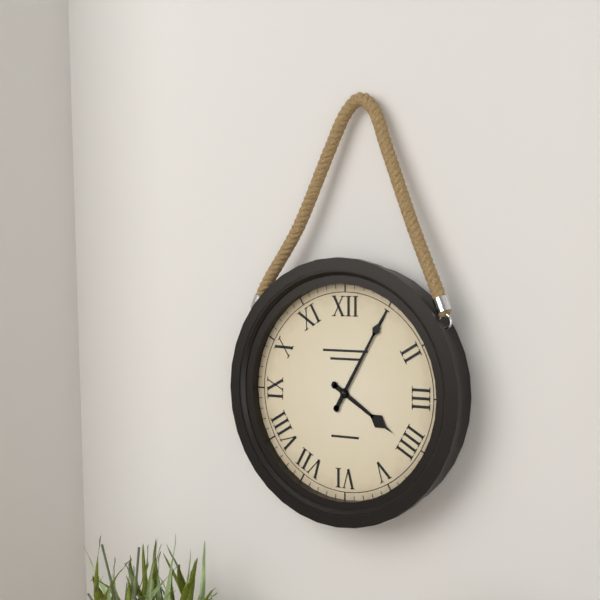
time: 4:05
